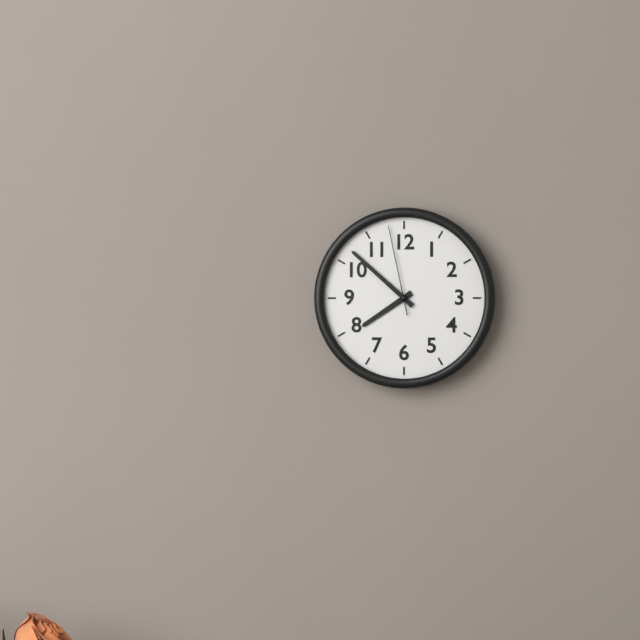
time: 7:52:58
